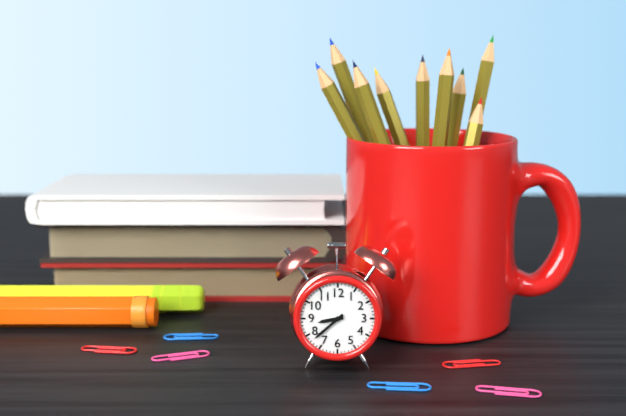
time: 8:38
